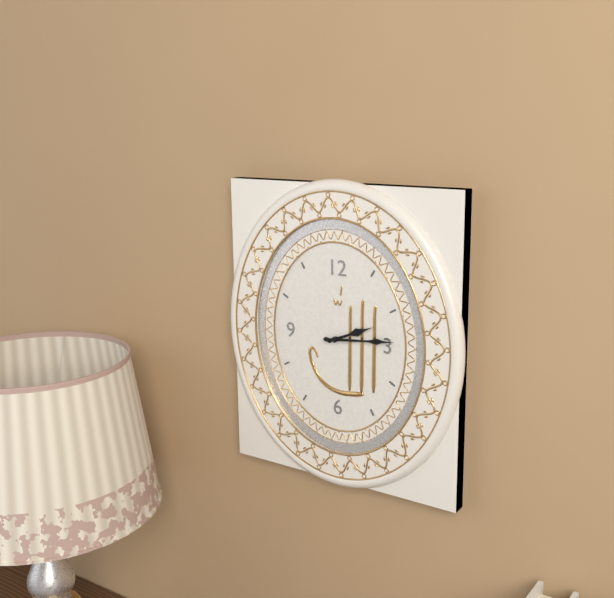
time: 2:14
